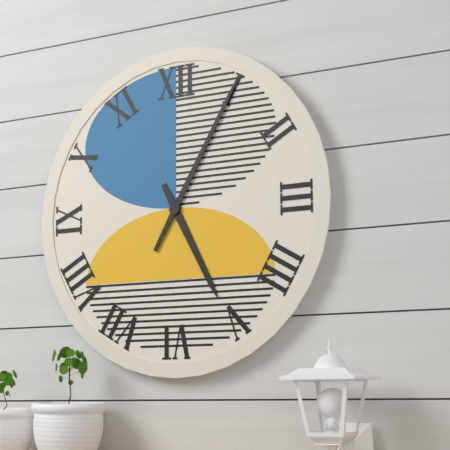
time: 5:05
